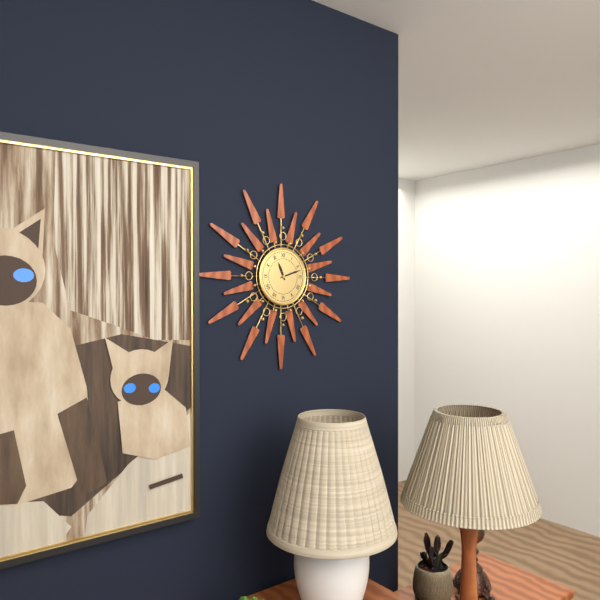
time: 11:12
